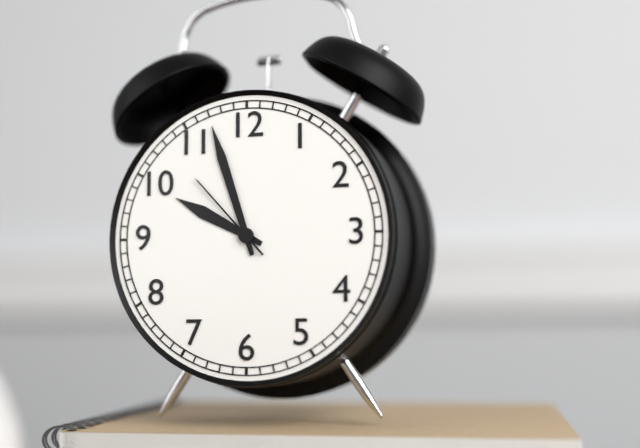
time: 9:57:53
